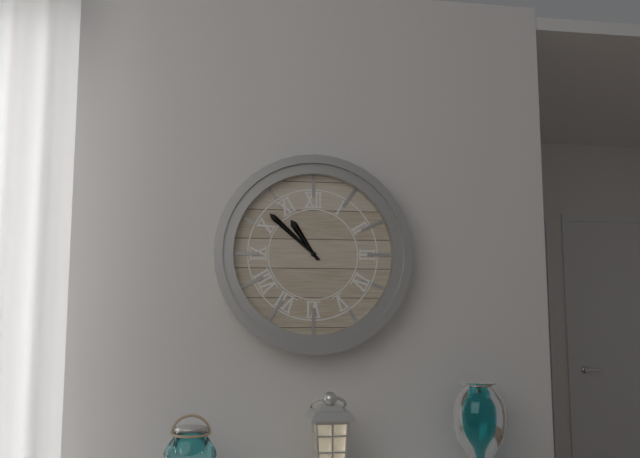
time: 10:52
